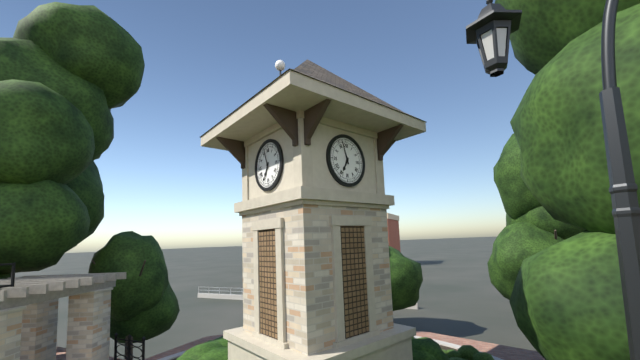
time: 6:57
